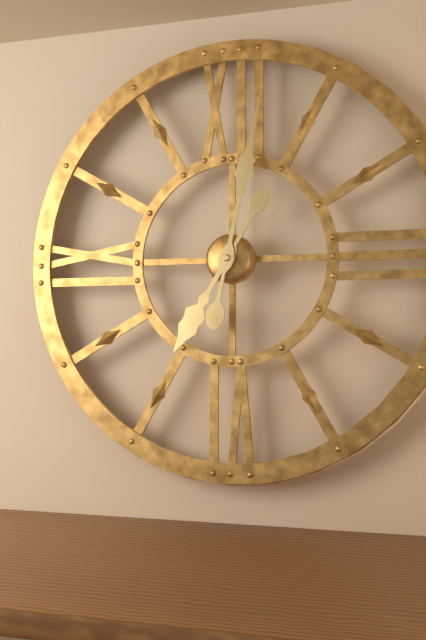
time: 7:02
